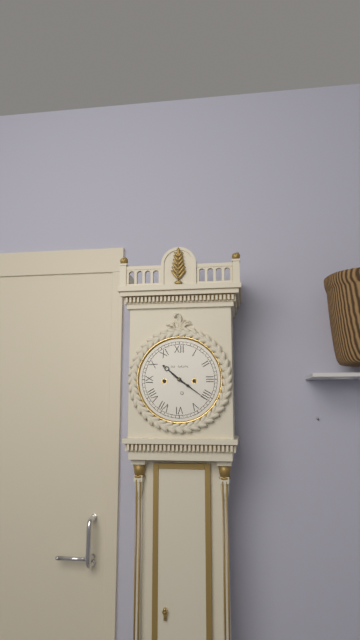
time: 10:21
